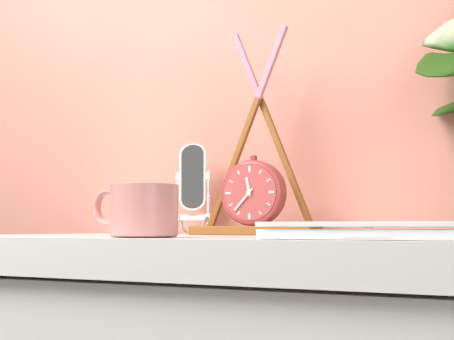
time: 11:37
